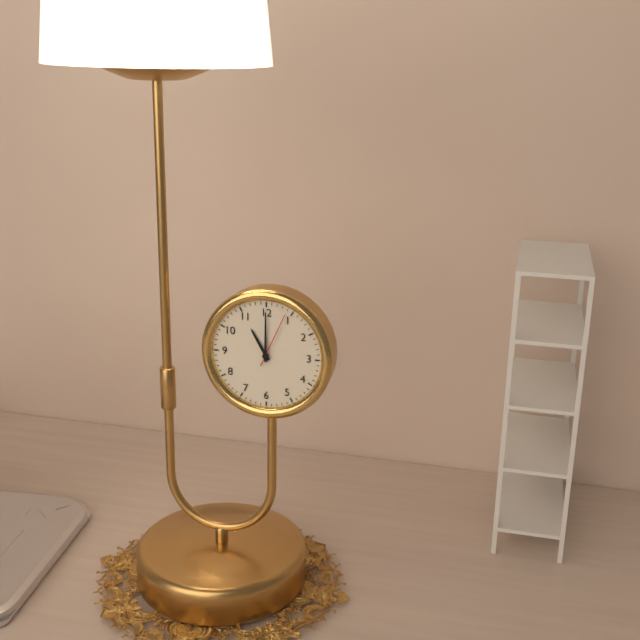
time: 11:00
